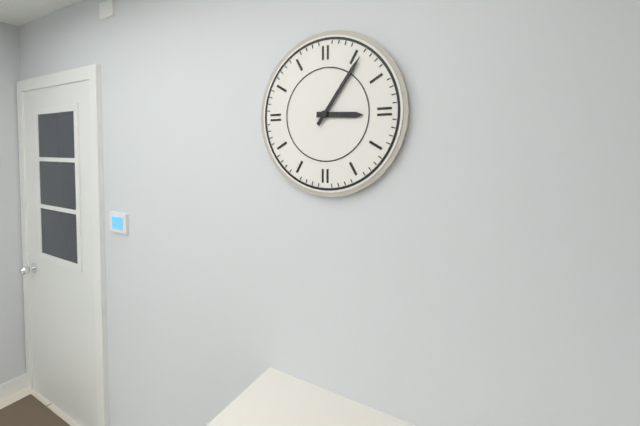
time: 3:06
